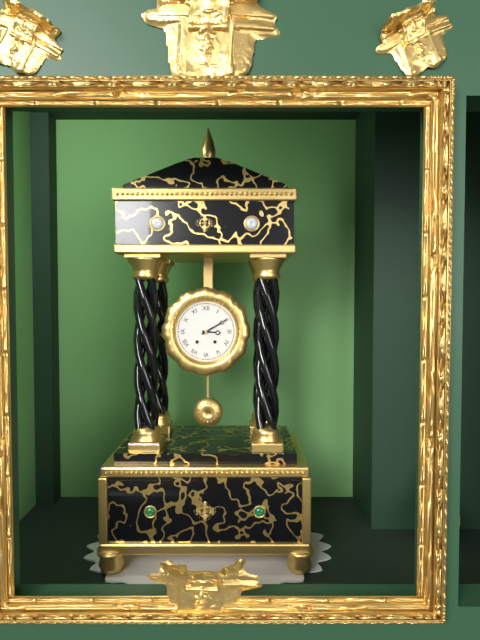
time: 3:10
